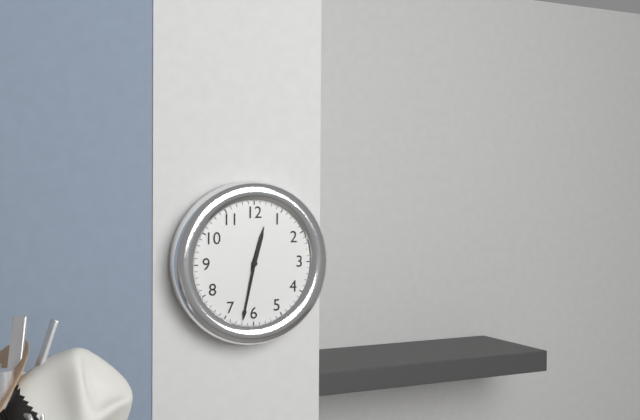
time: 12:32
